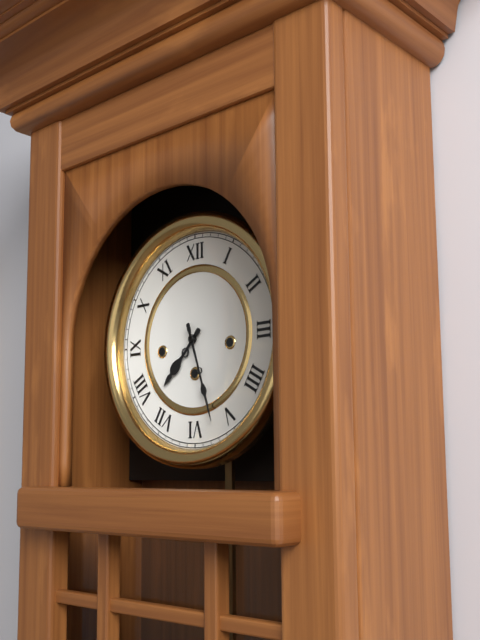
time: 7:27
